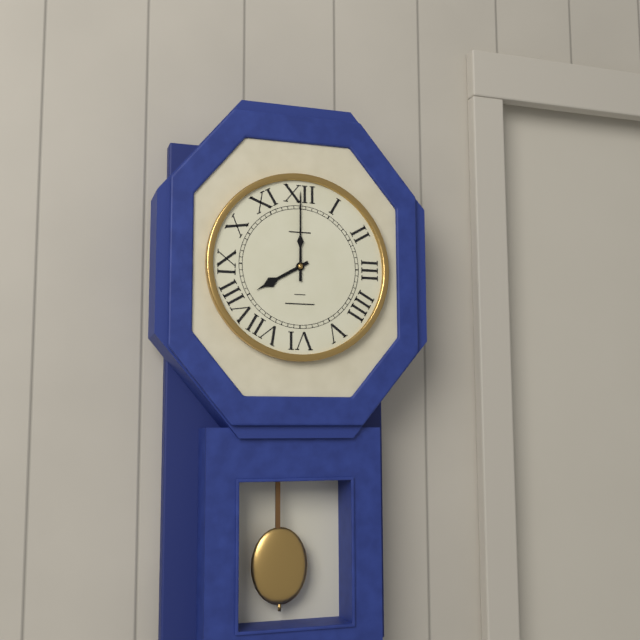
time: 8:00
